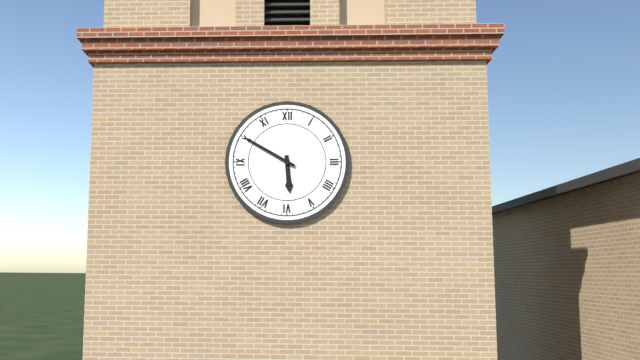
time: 5:50
